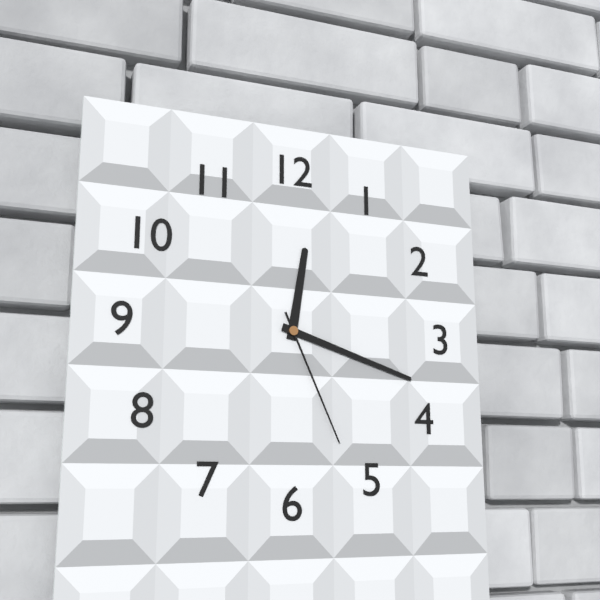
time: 12:18:26
